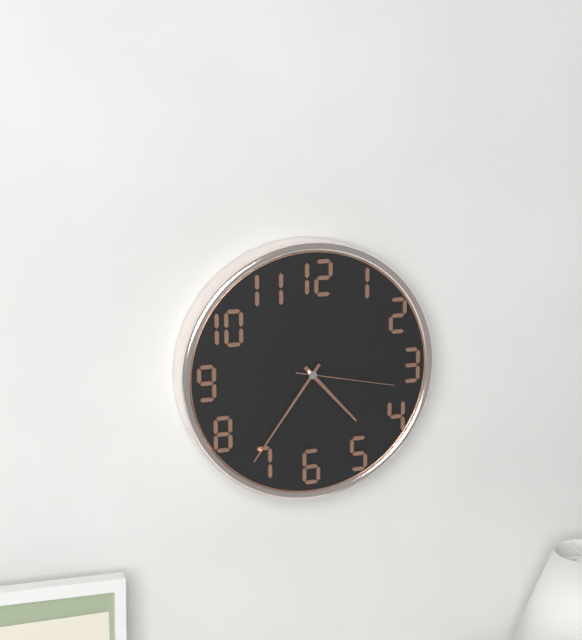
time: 4:36:17
